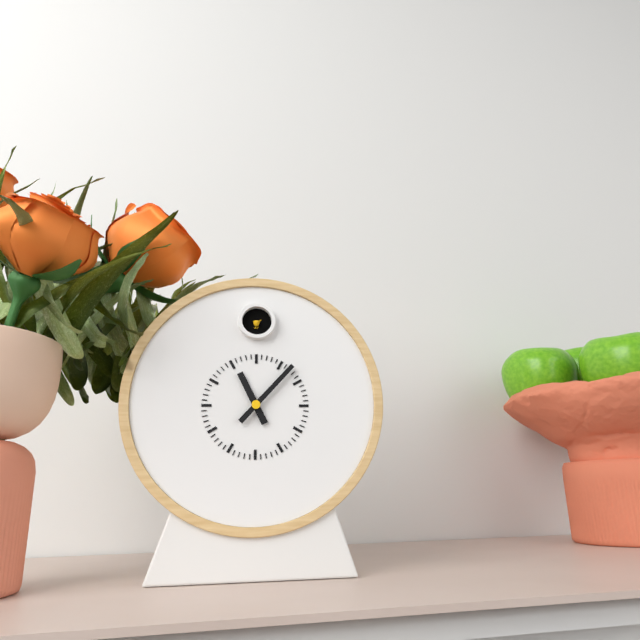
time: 11:07
